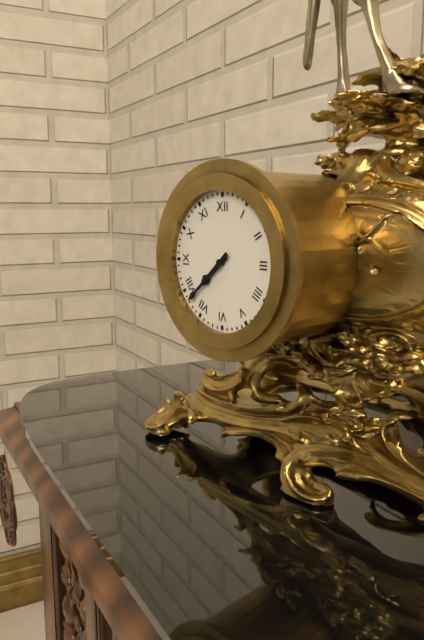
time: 7:38
